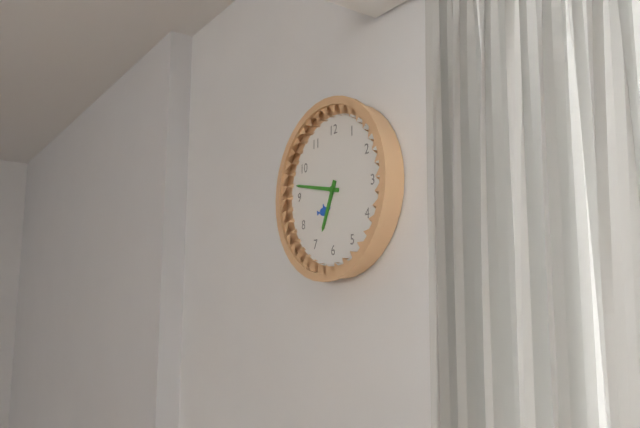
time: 6:47
